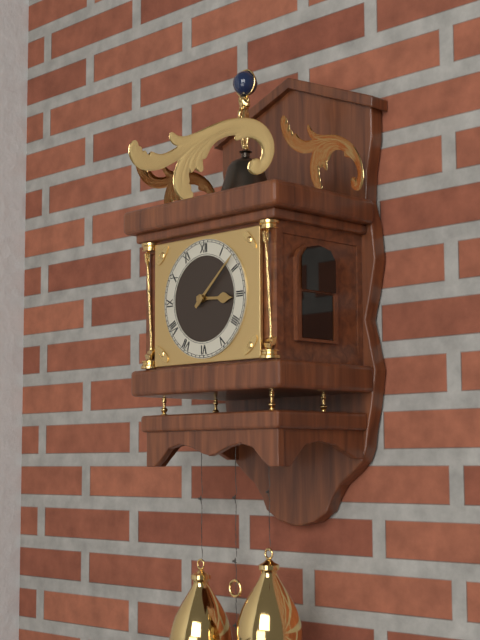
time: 3:08
